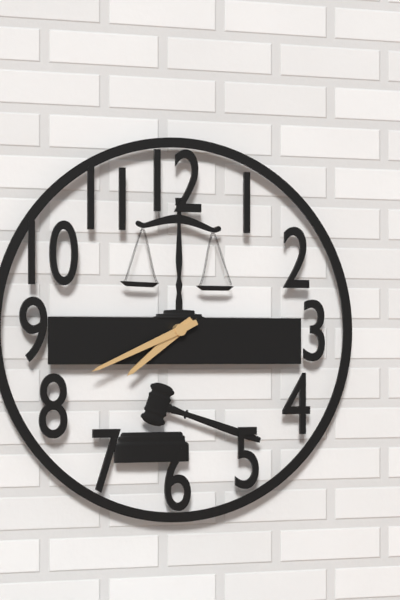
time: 7:41
